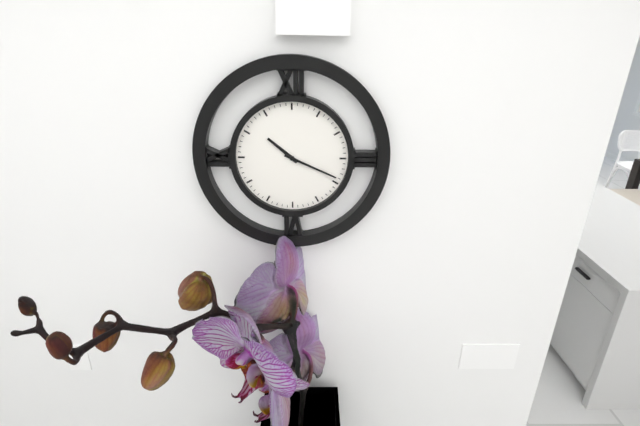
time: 10:19
